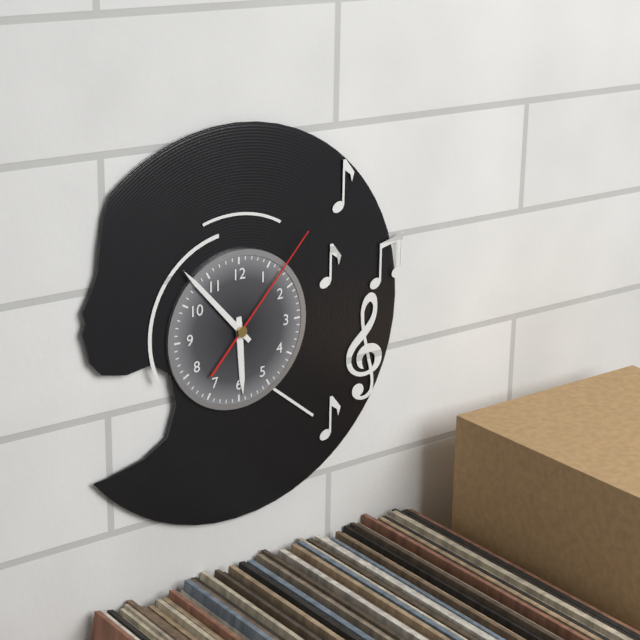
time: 5:53:07
